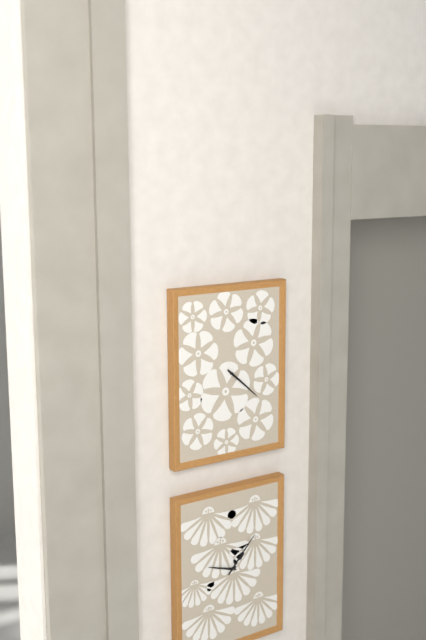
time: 4:22
